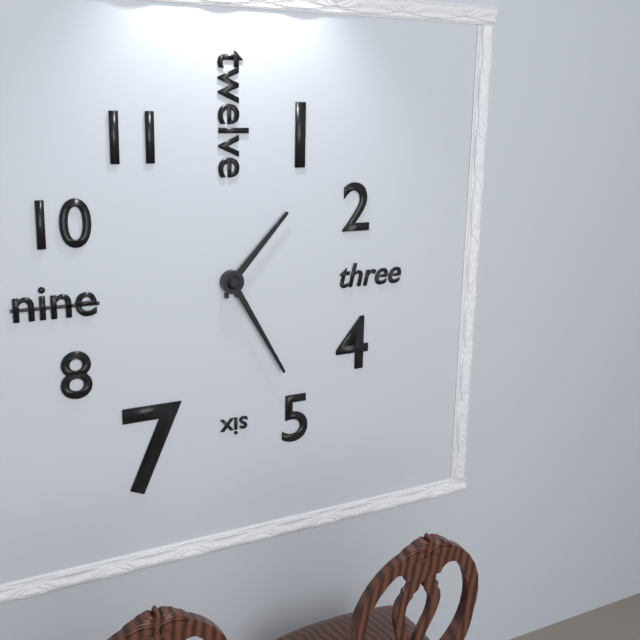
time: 1:25
